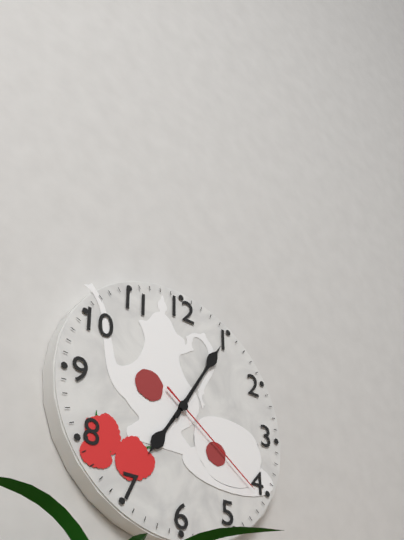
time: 7:05:21
